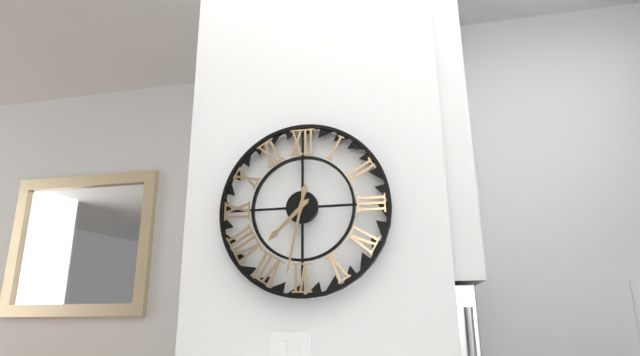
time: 7:32
